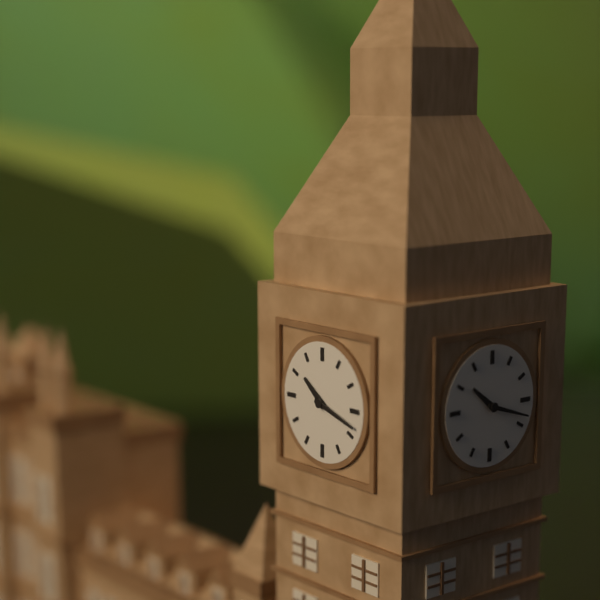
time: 10:18
